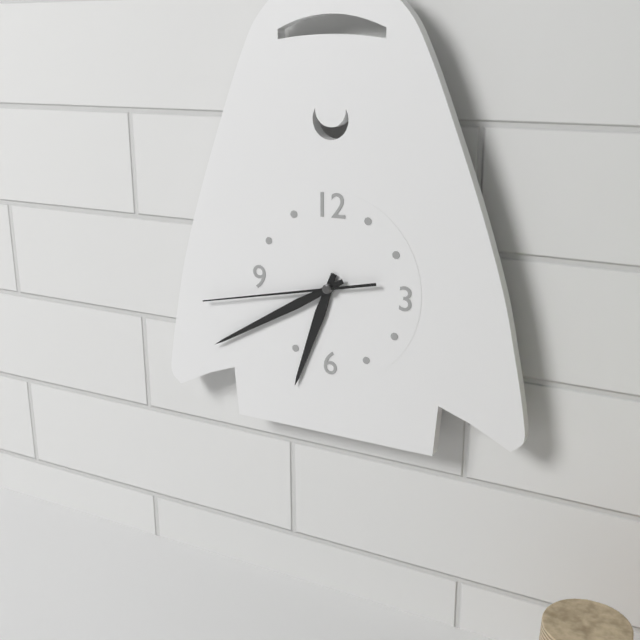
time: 6:40:43
